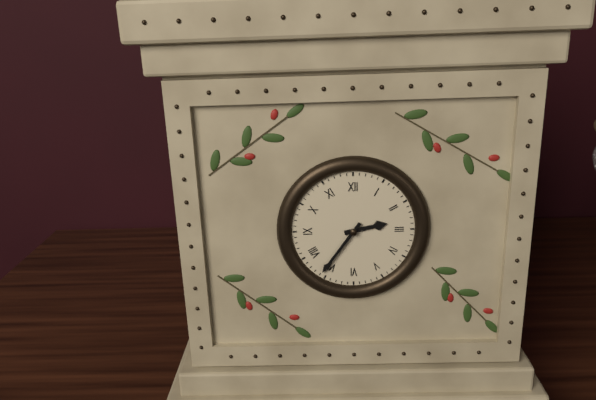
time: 2:36
